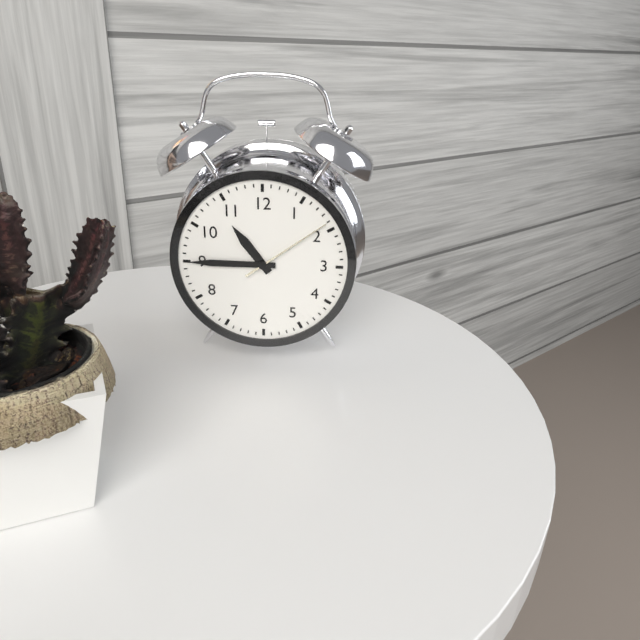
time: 10:45:09
